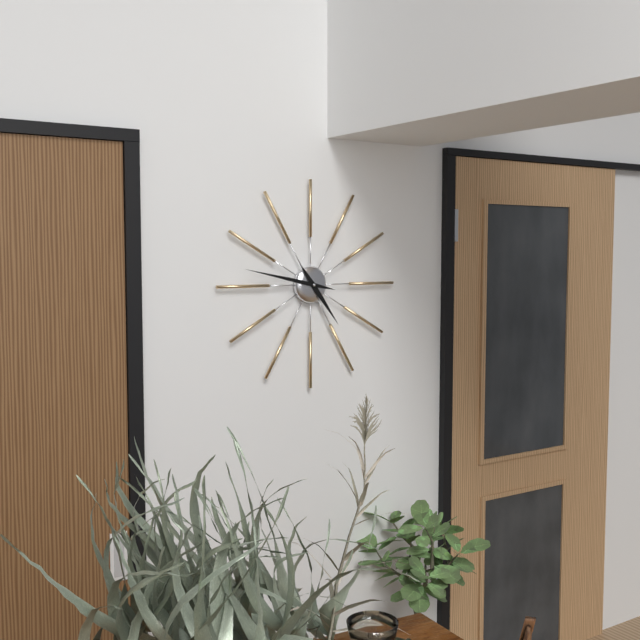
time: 4:47
